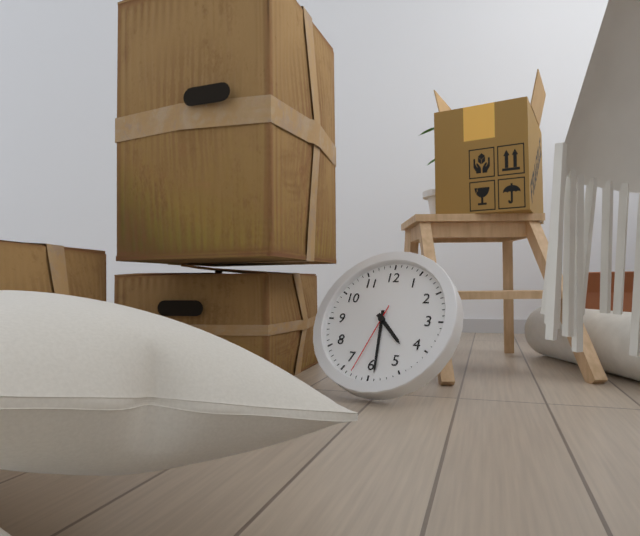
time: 4:29:33
